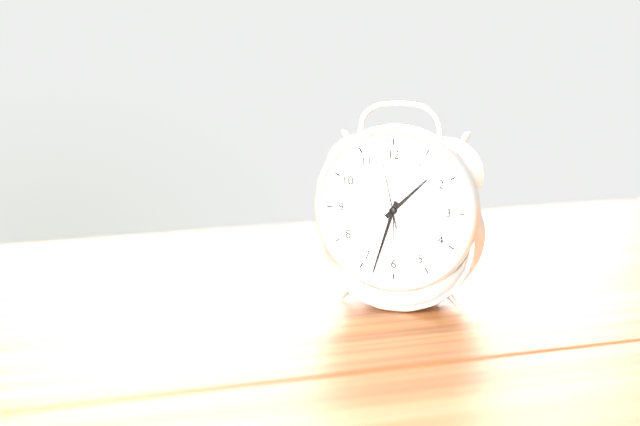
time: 1:33:58
